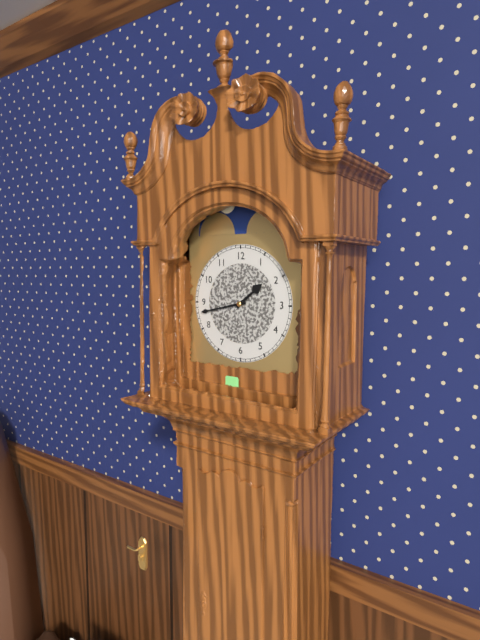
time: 1:43
